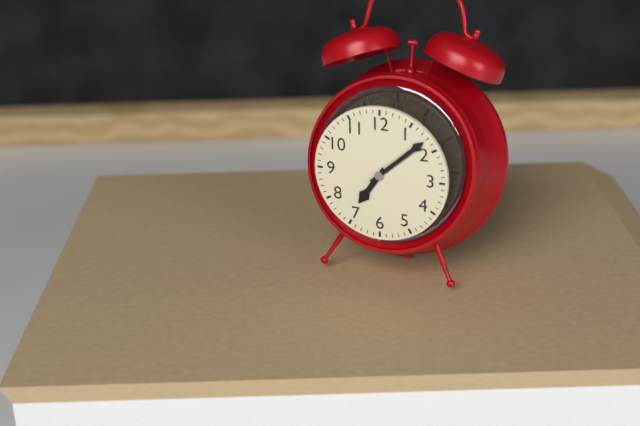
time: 7:08
